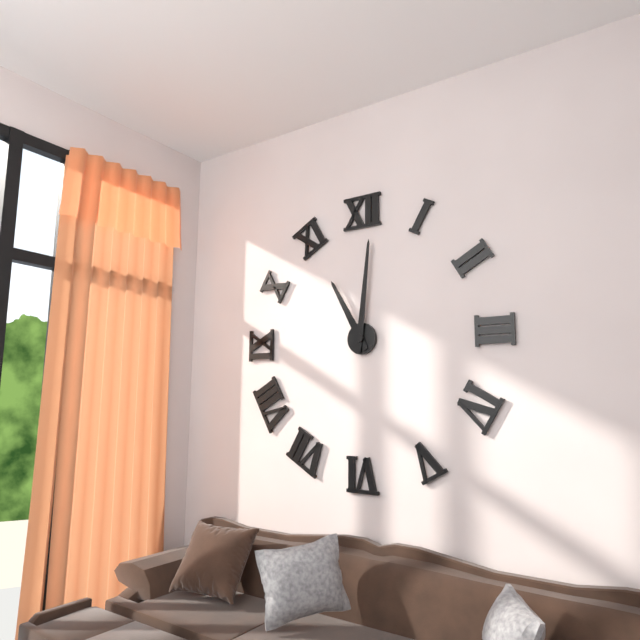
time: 11:01
